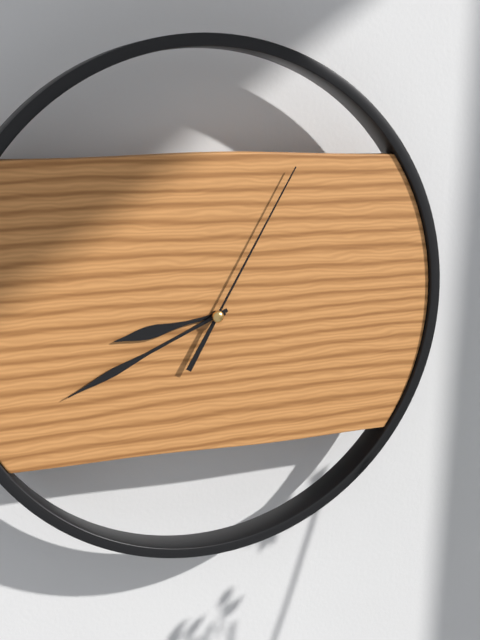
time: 8:41:05
